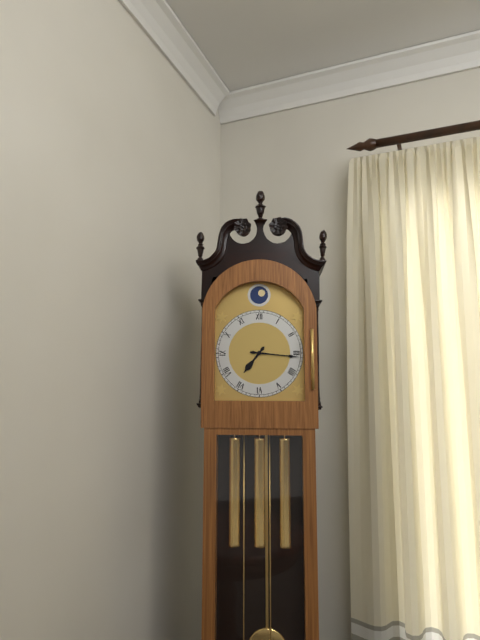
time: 7:16
